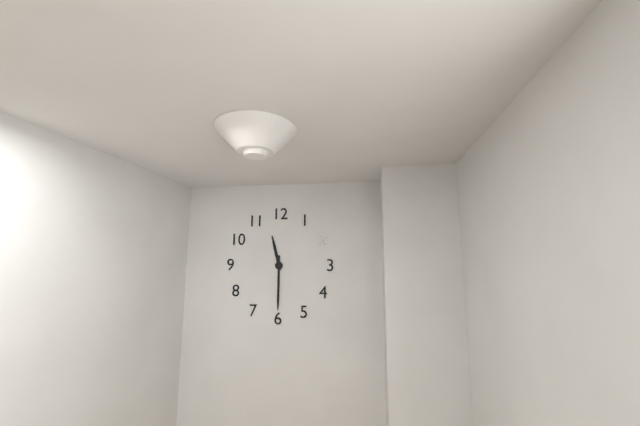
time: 11:30
